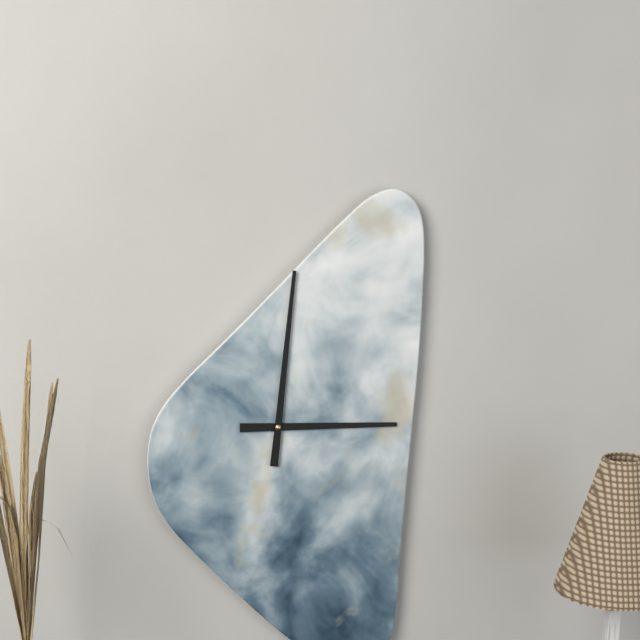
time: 3:01
